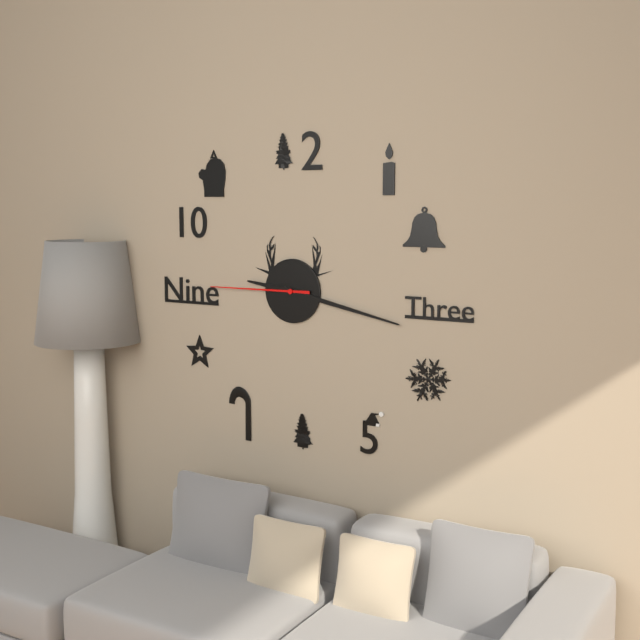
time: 9:17:45
